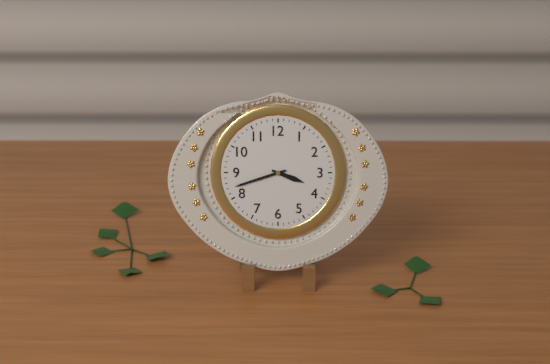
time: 3:42
